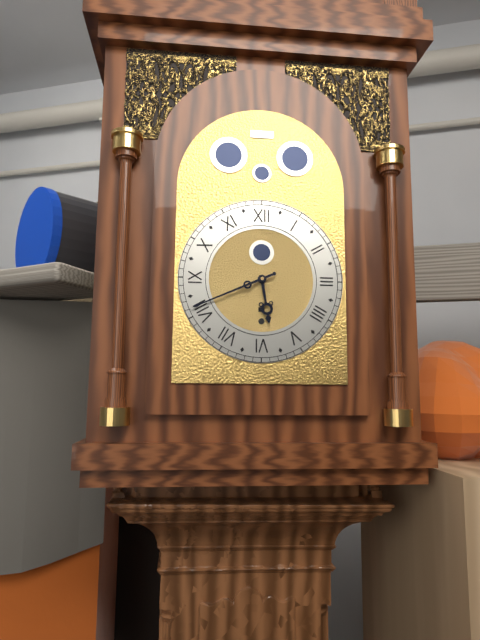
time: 5:41
